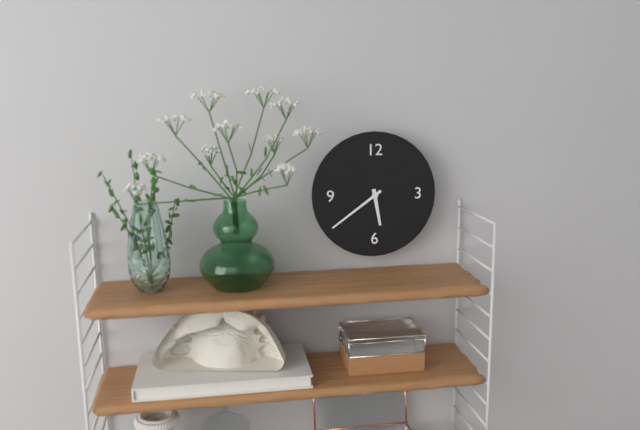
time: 5:39
